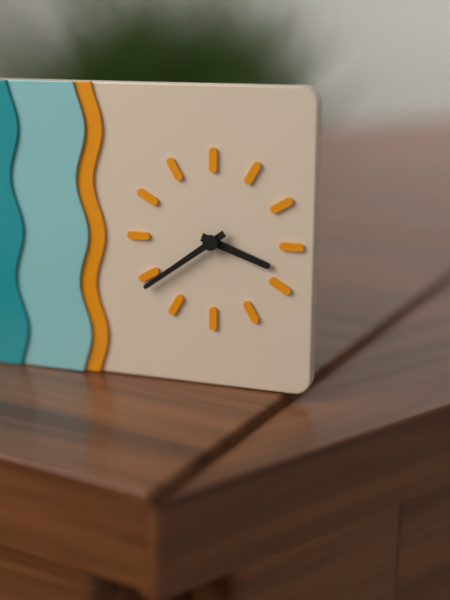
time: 3:39
